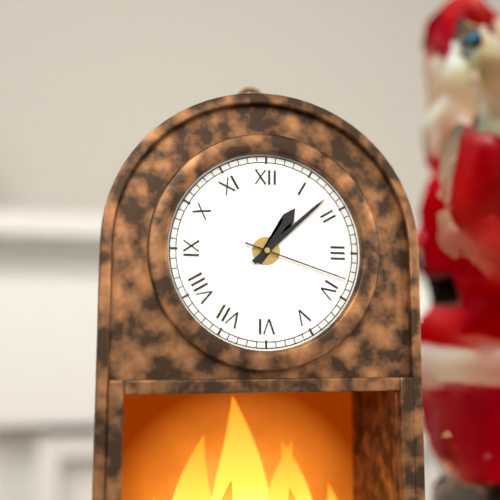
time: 1:08:18
